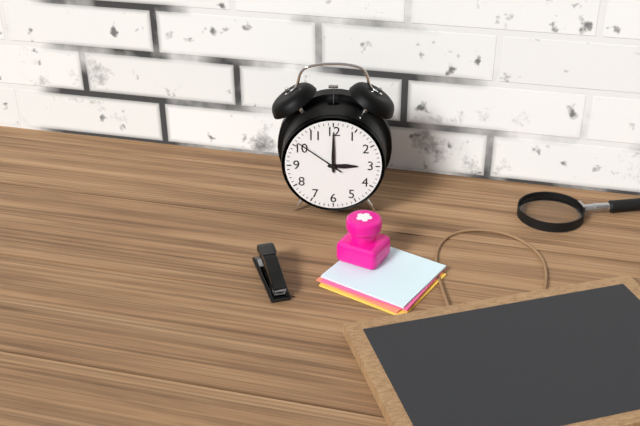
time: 3:00:51
